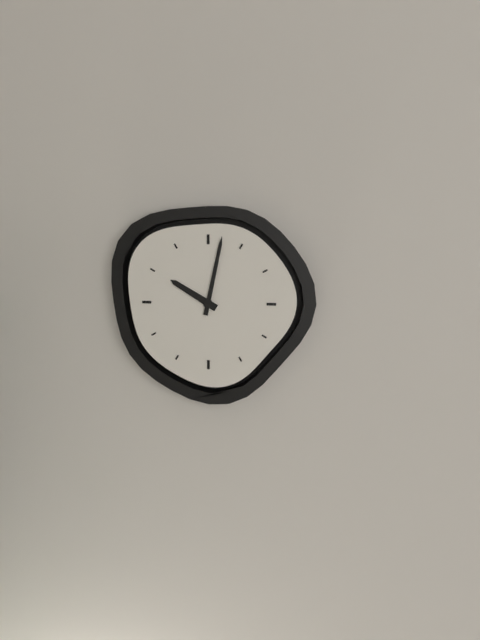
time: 10:02
